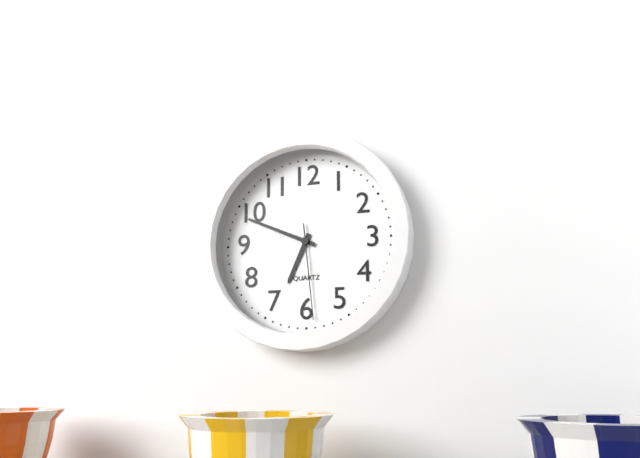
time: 6:49:29
